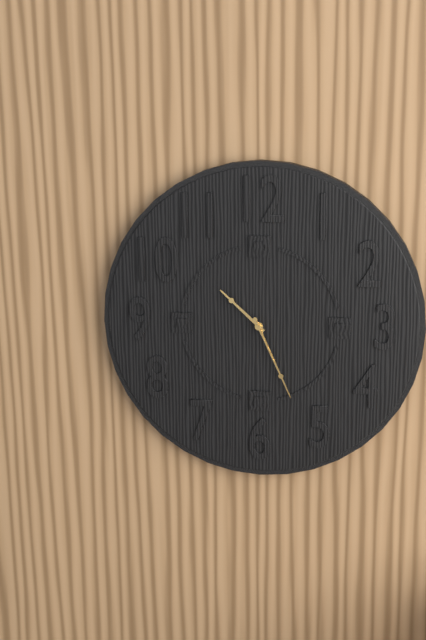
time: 10:26:26
